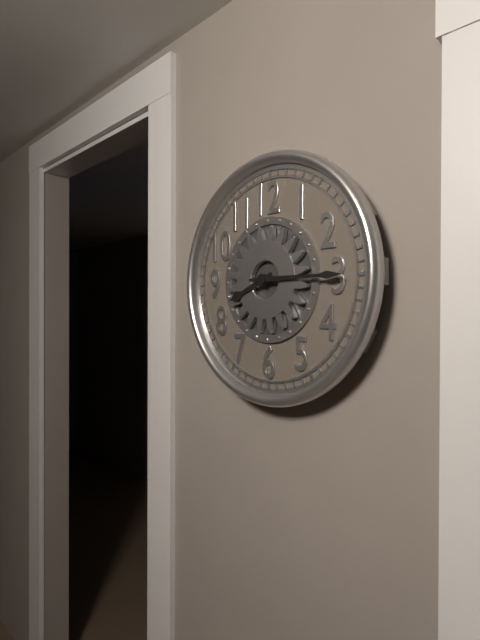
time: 8:15
